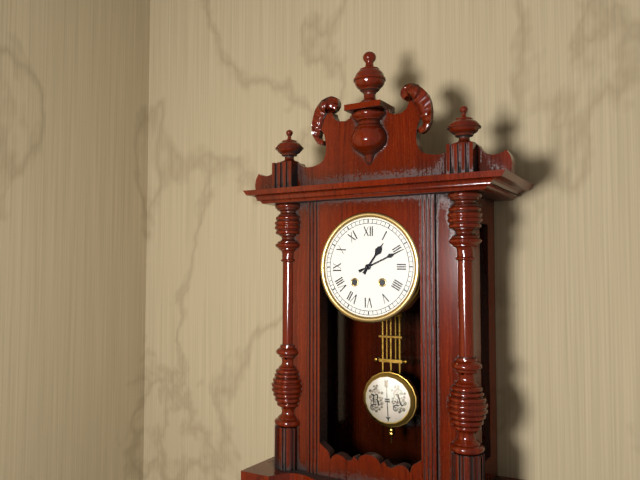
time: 1:11
